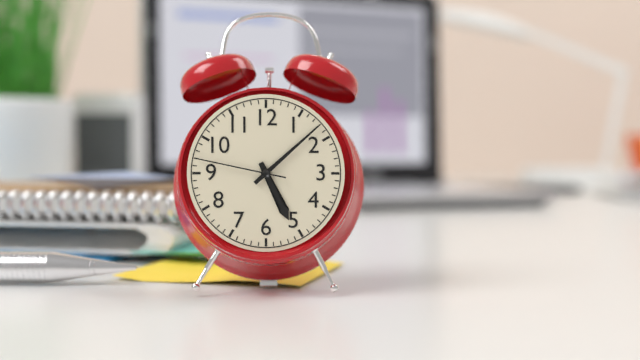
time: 5:08:47
